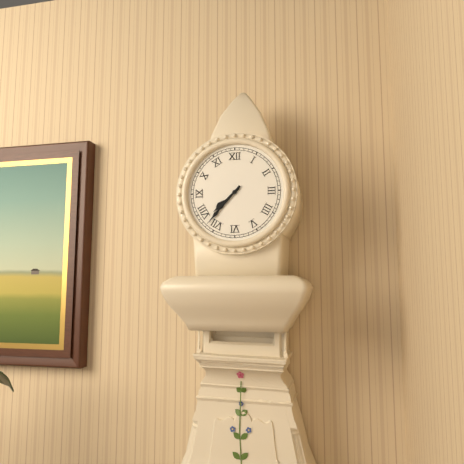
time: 7:37
